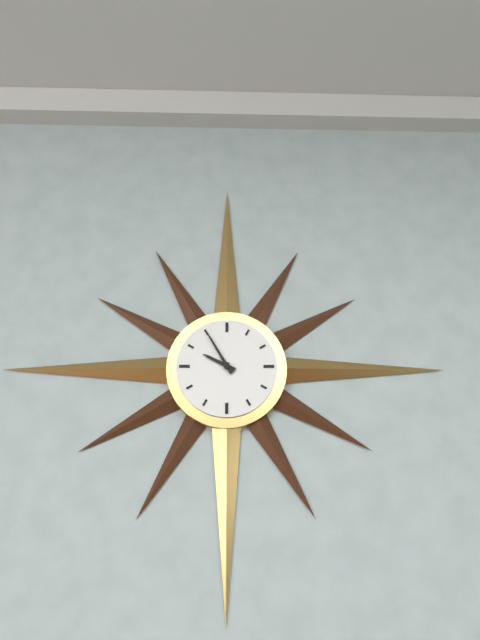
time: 9:55
